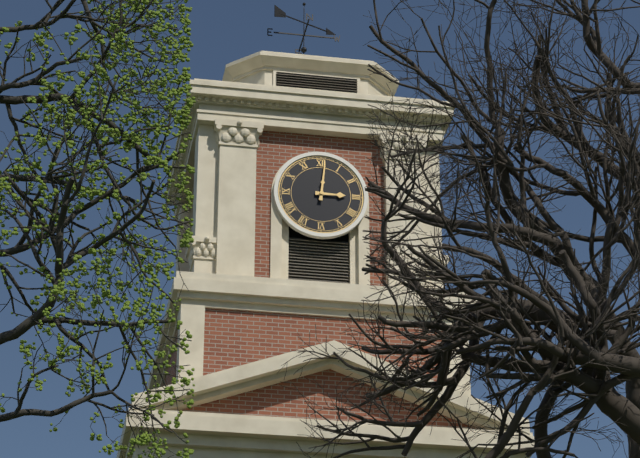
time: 3:01
